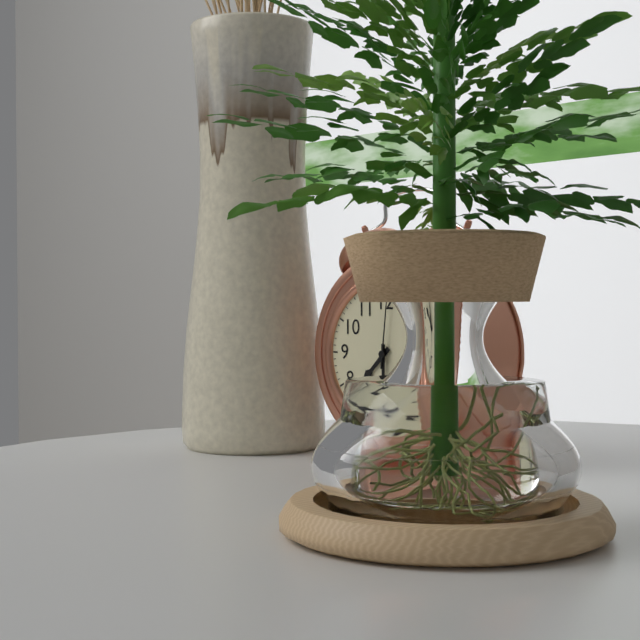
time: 7:30:01
